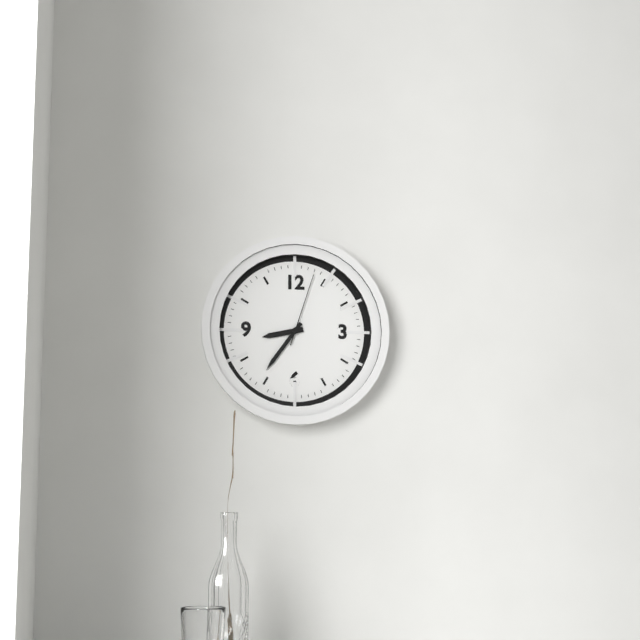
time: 8:36:03
